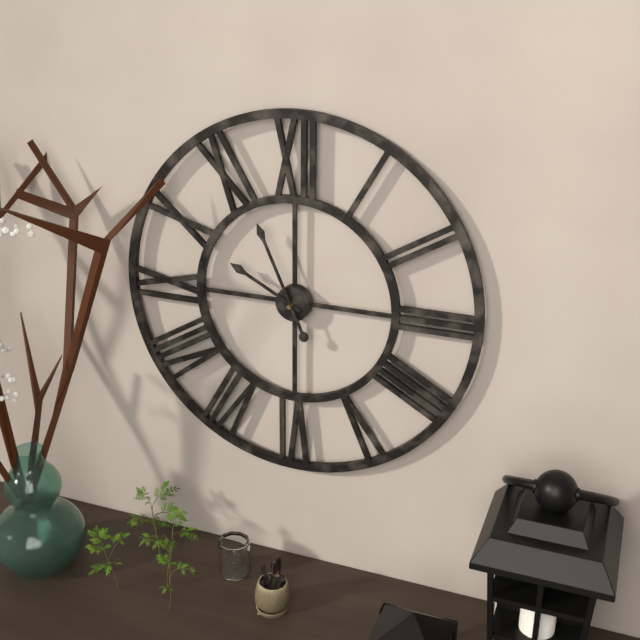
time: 9:56
